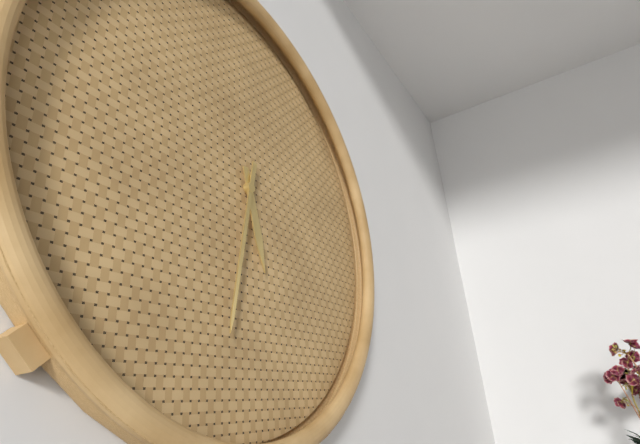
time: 5:32
